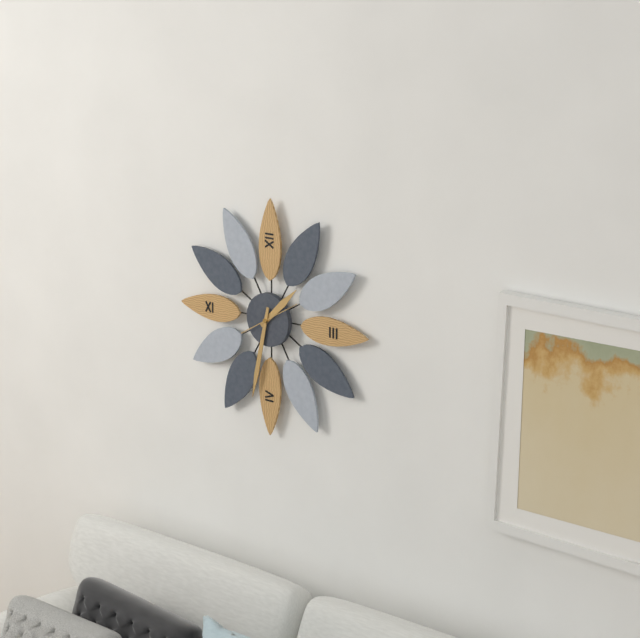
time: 1:32
